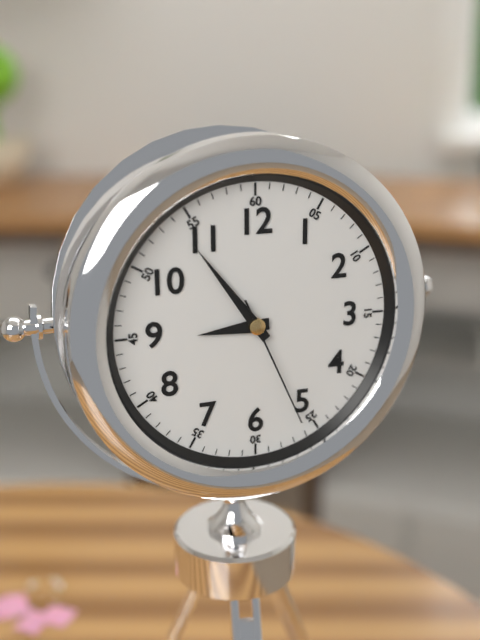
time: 8:54:26
